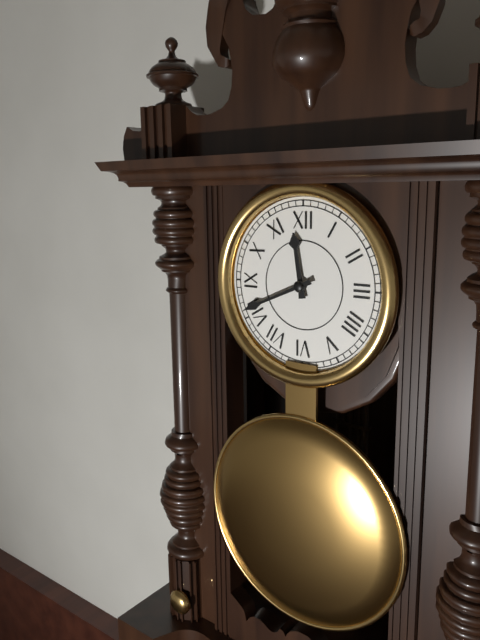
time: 11:41
